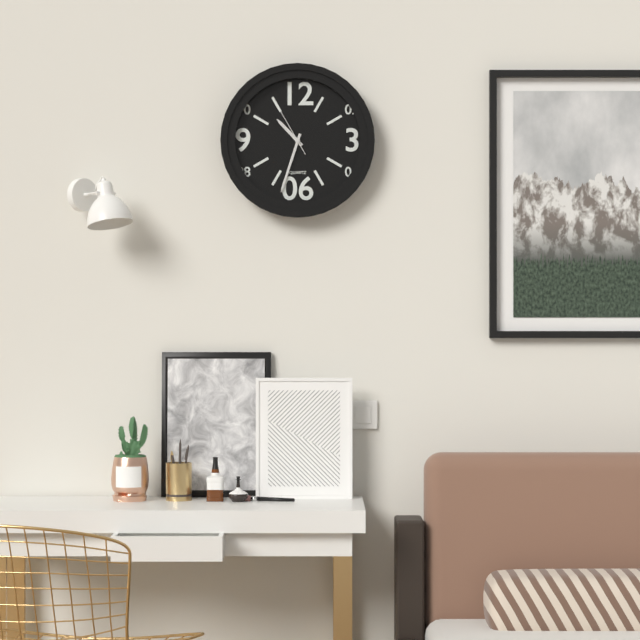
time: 10:33
